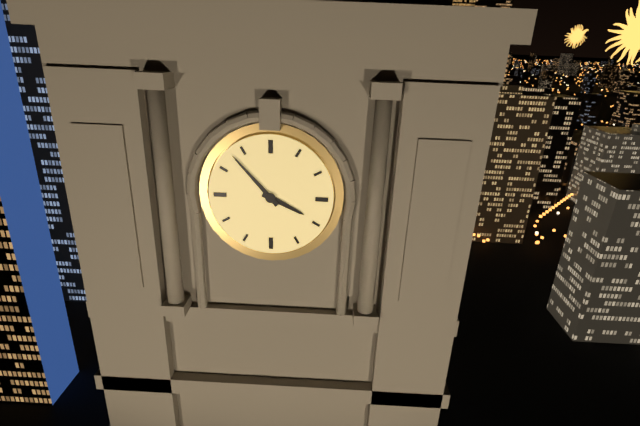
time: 3:53
